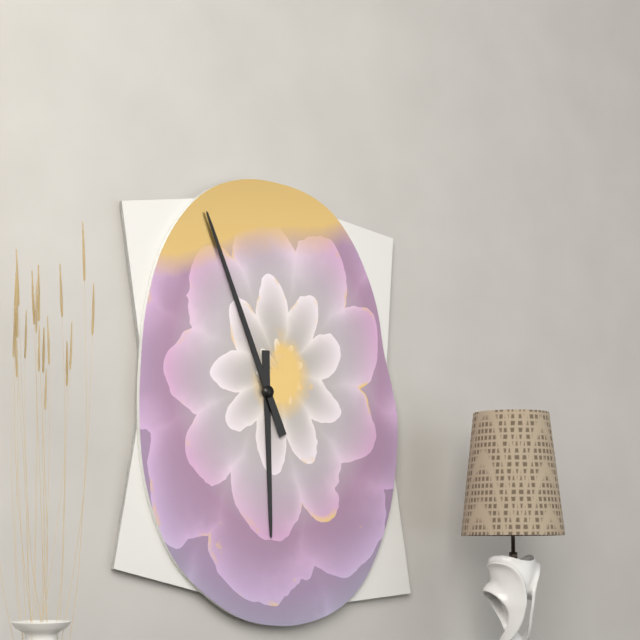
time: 5:56
